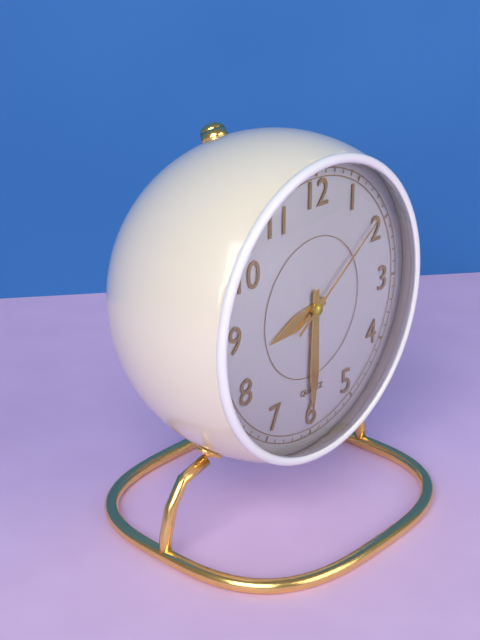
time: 8:30:09
